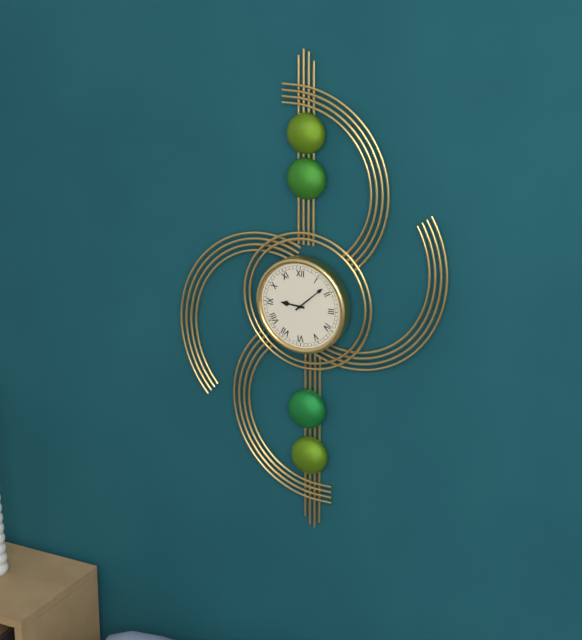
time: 9:08
